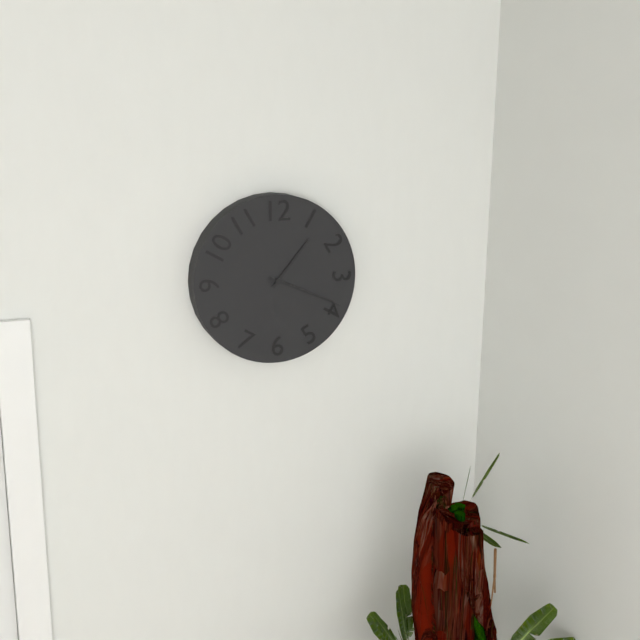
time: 1:19
